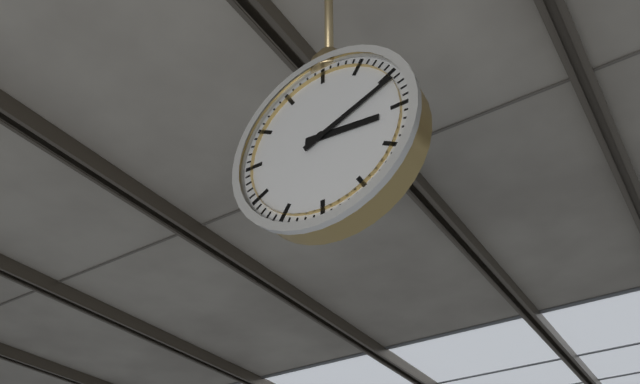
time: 3:11
